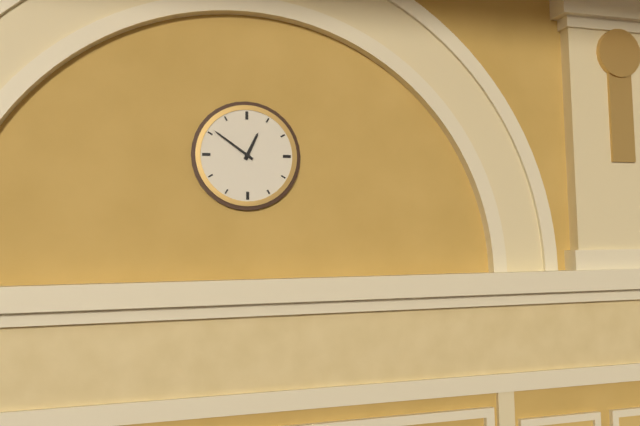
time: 12:51
